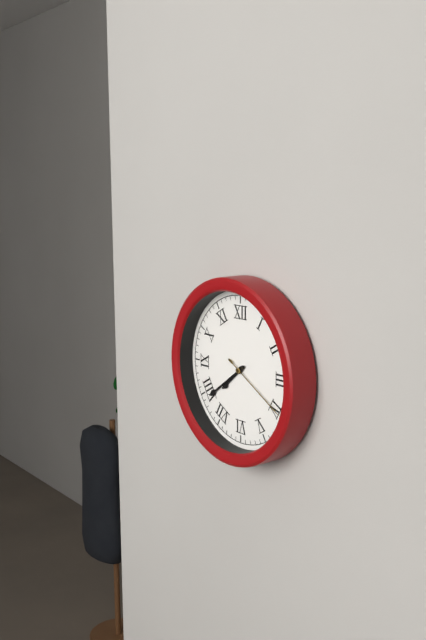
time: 7:39:20
